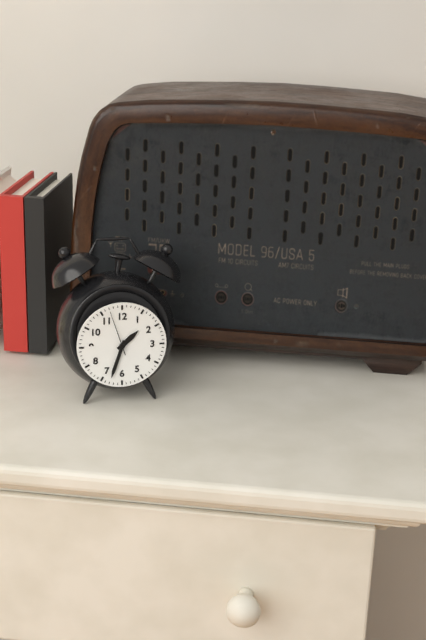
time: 1:33
